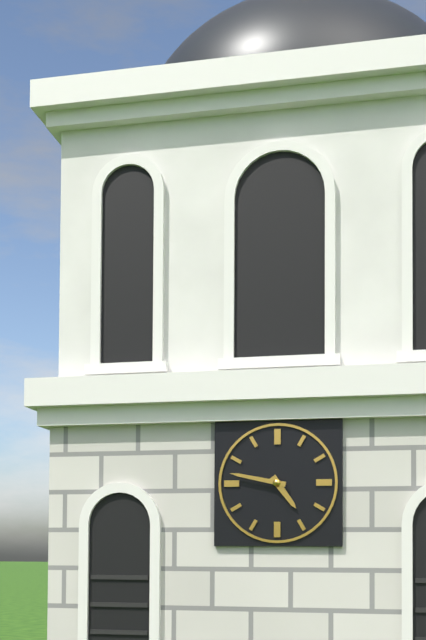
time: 4:47
